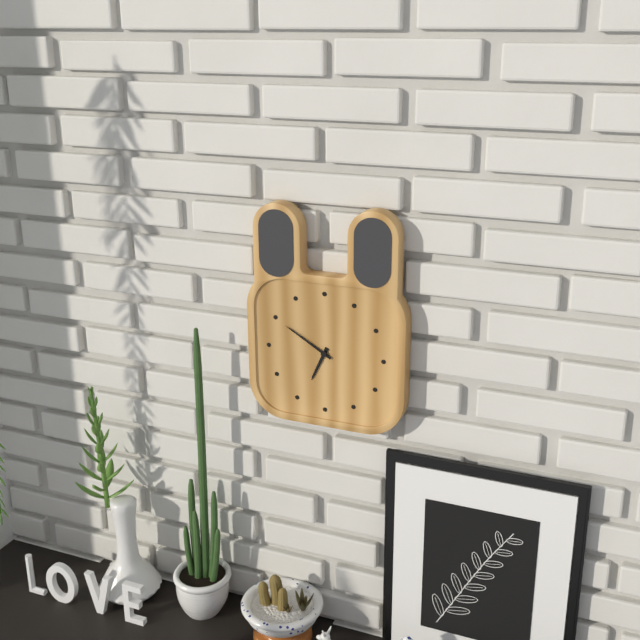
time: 6:50
